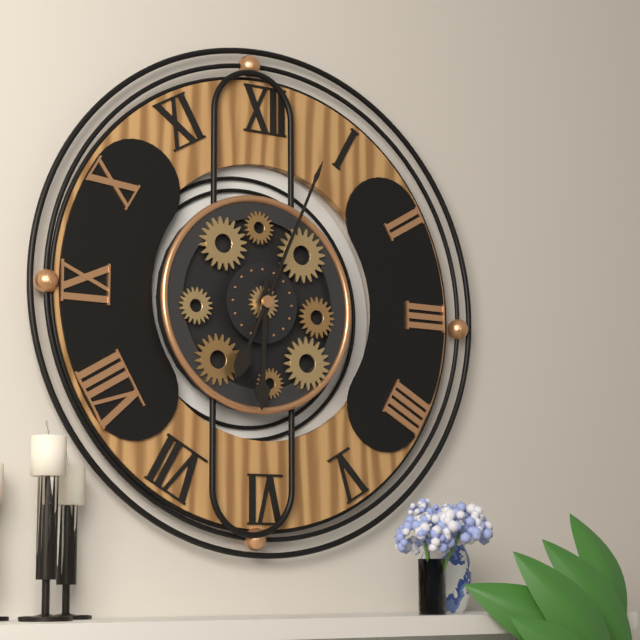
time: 6:04
